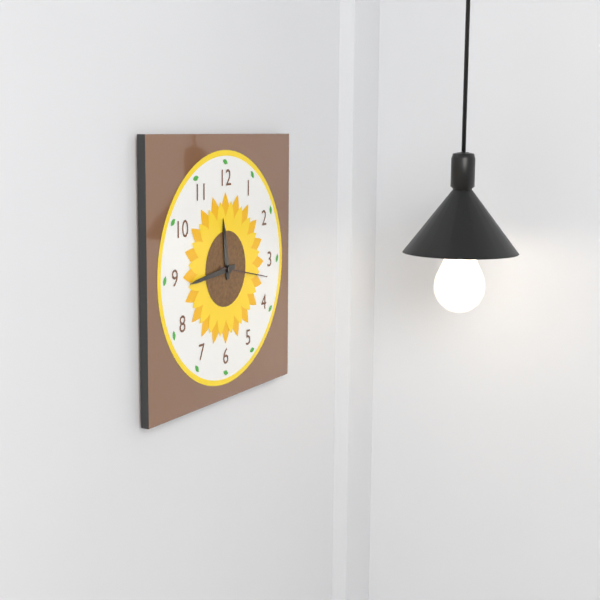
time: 11:44
